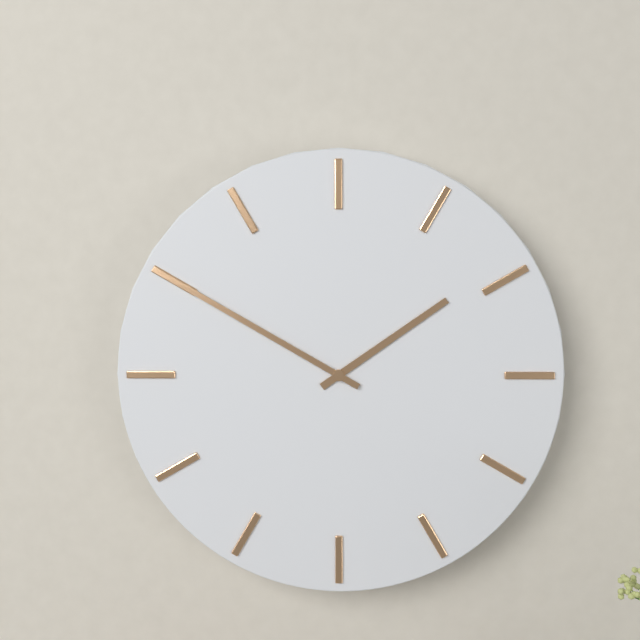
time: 1:50
